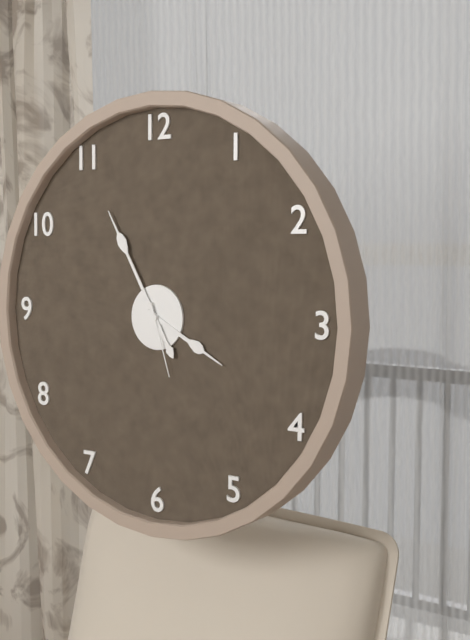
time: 3:55:27
